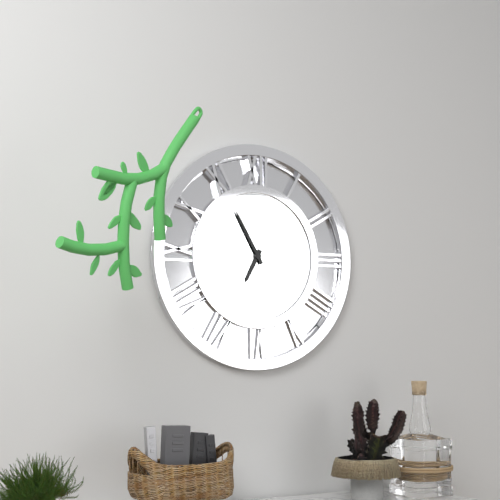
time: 6:55
